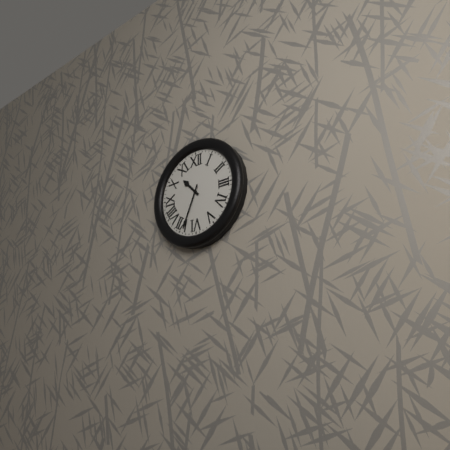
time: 10:34
